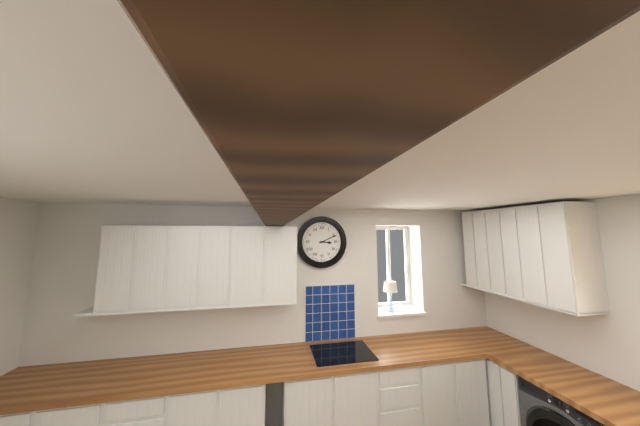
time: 3:11
